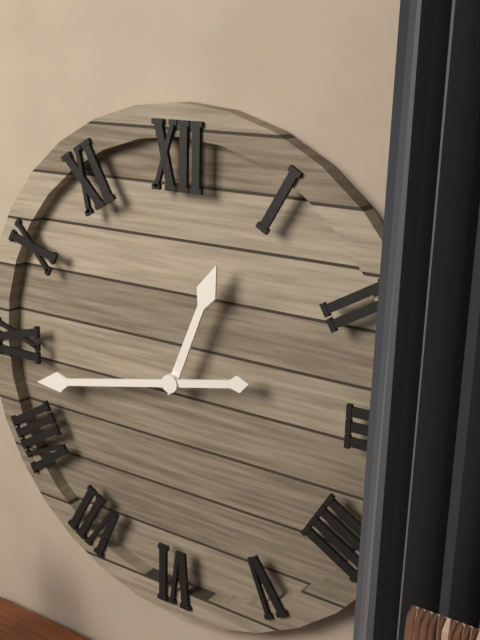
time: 12:43
